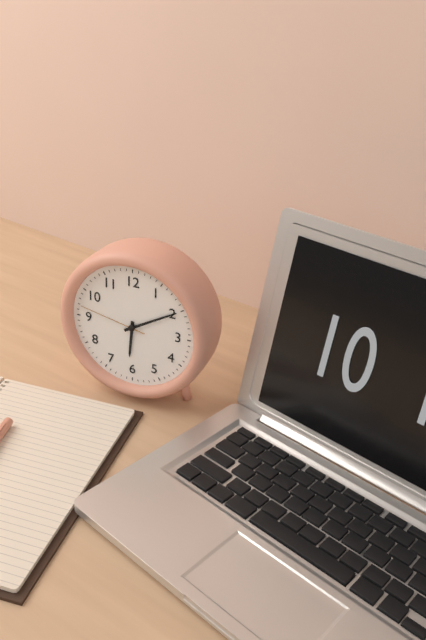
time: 6:10:47
